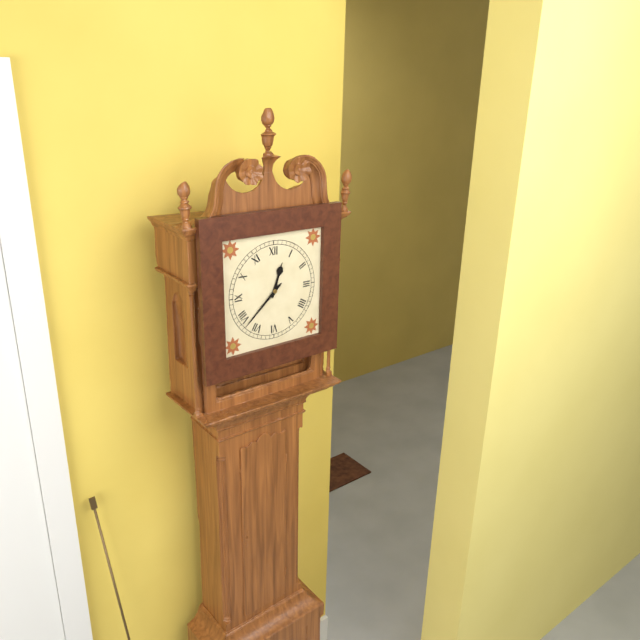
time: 12:38
